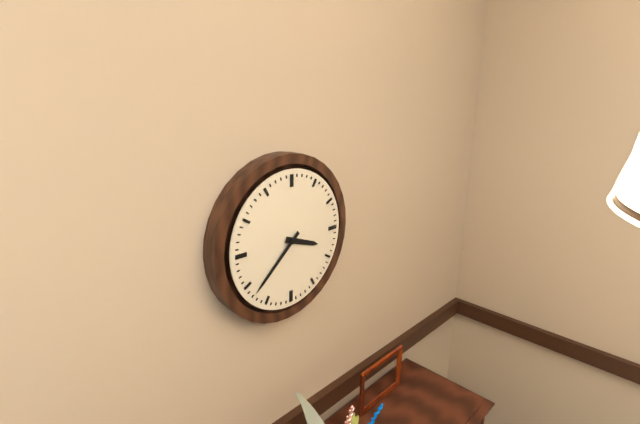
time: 3:38
